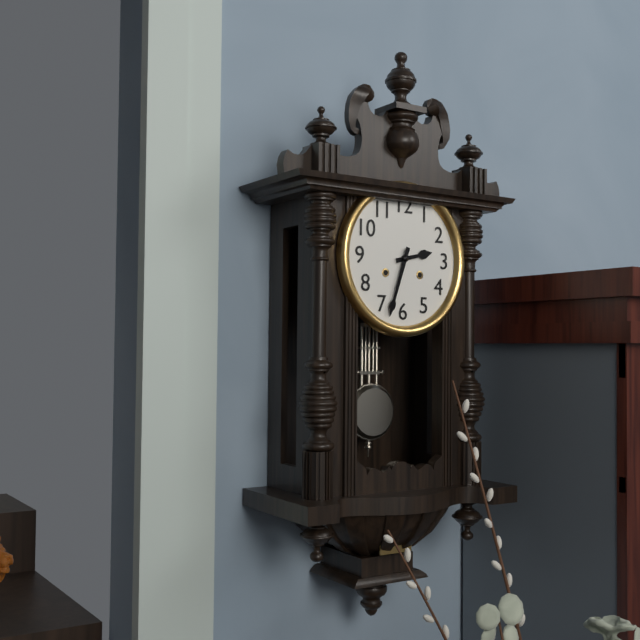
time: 2:33
